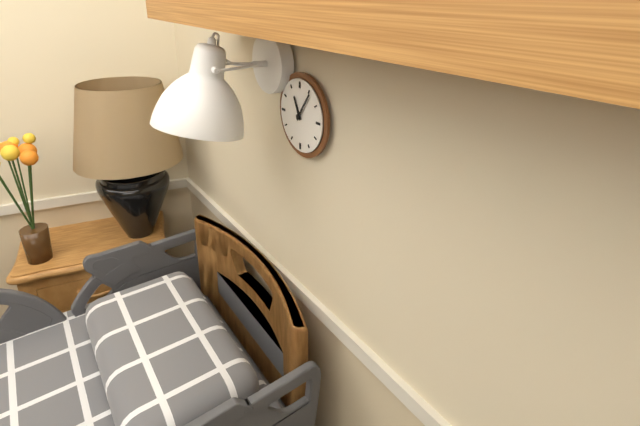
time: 11:06
